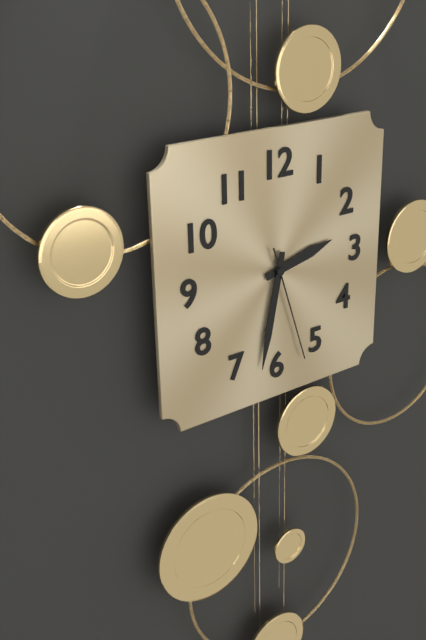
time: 2:32:27
